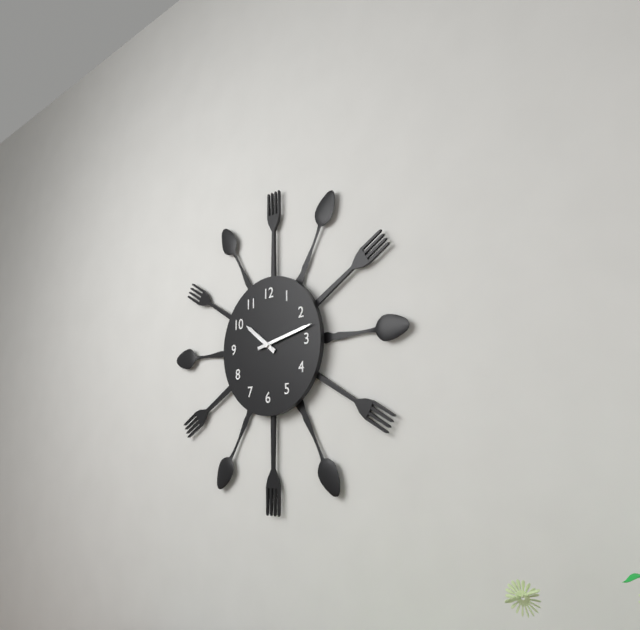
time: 10:13
